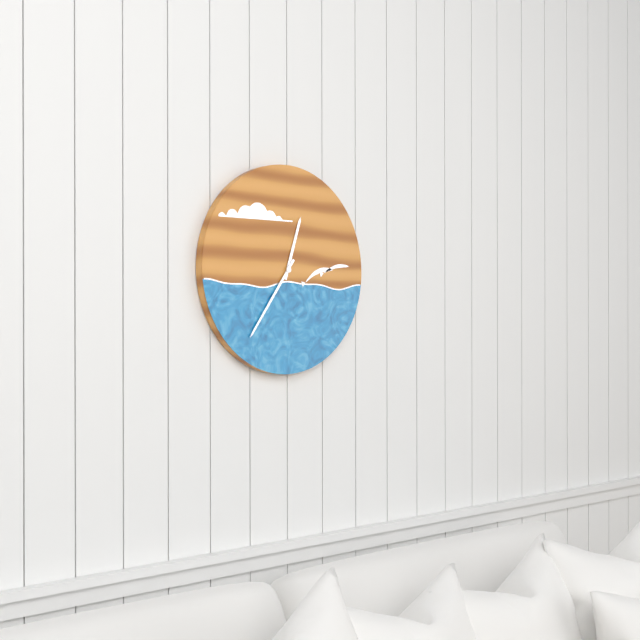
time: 12:36
